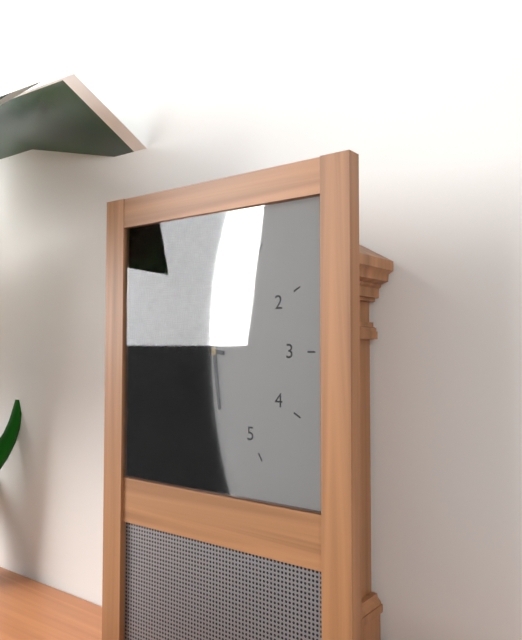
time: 5:46
